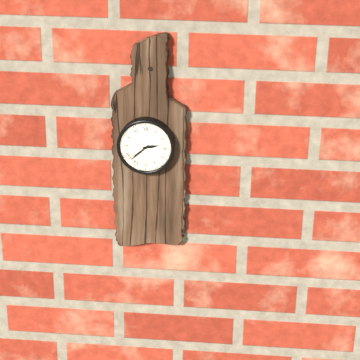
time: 2:38
